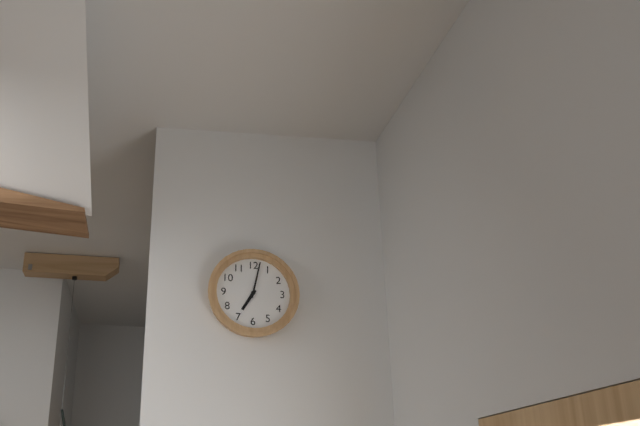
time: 7:02
